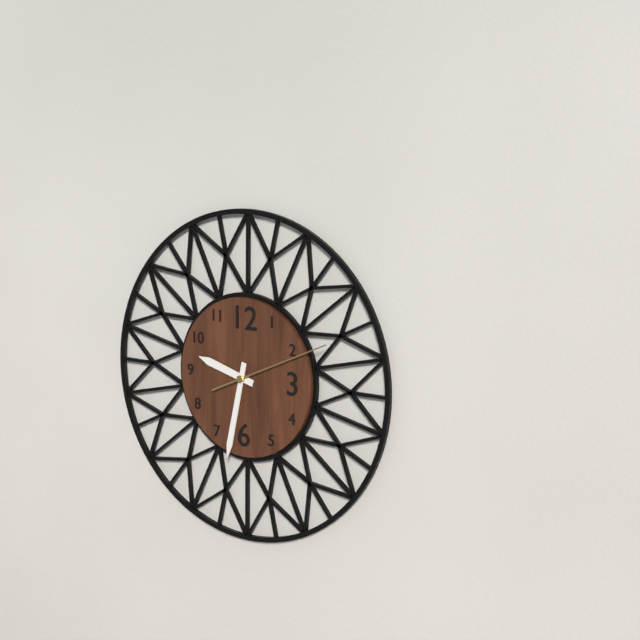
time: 9:32:11
